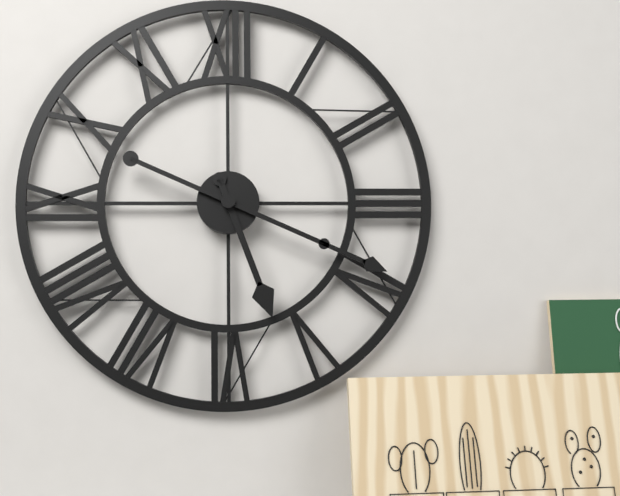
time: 5:19
